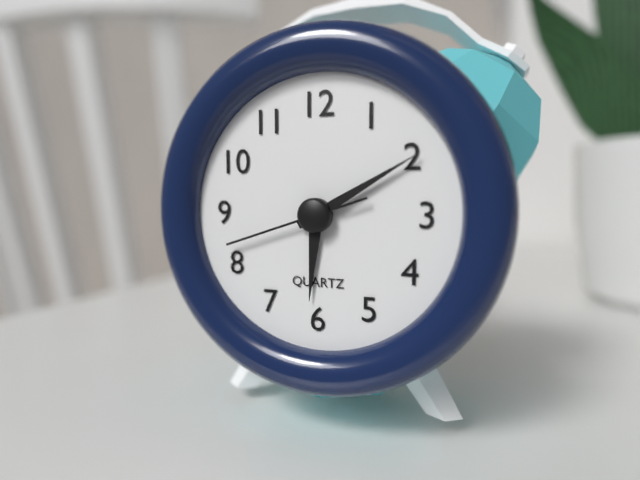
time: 6:10:42
